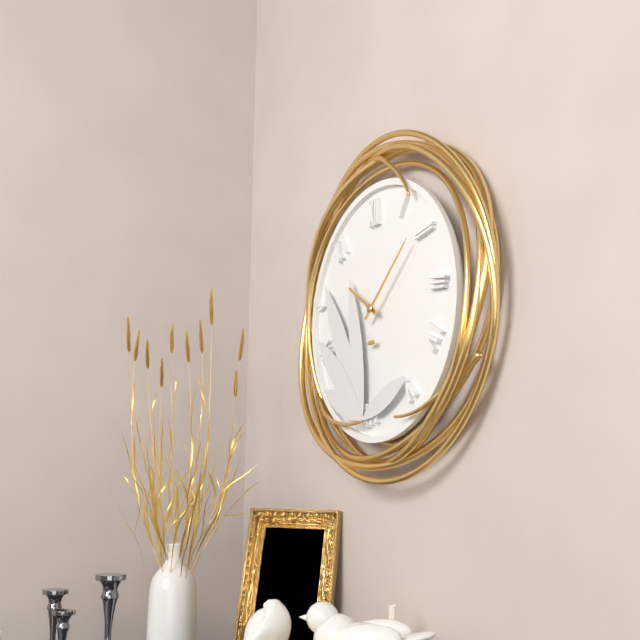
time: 10:08
